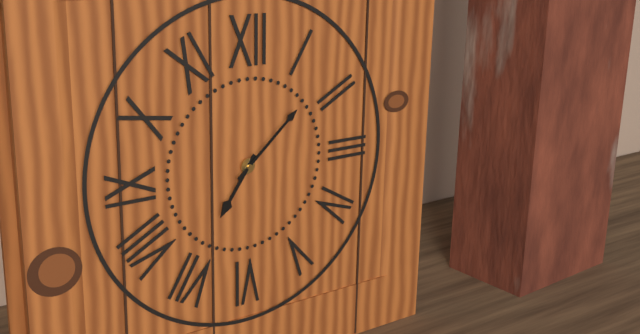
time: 7:08
